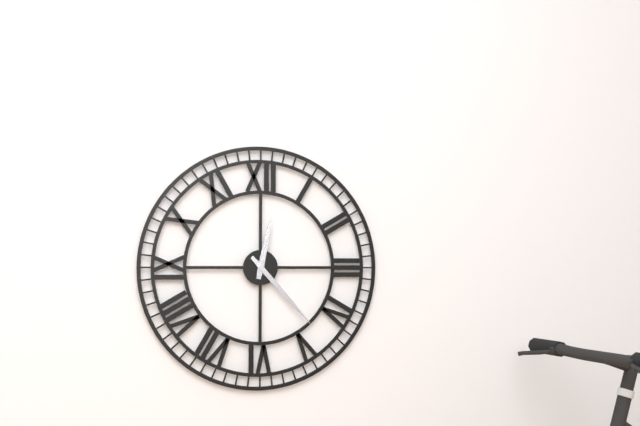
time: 12:23
